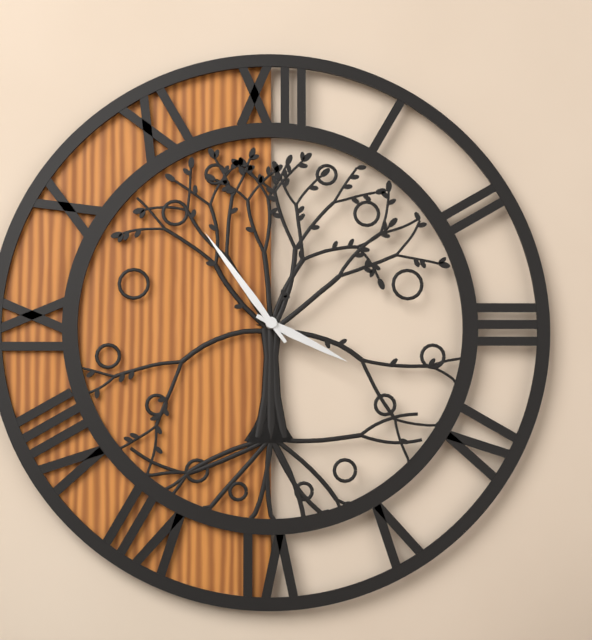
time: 3:54
